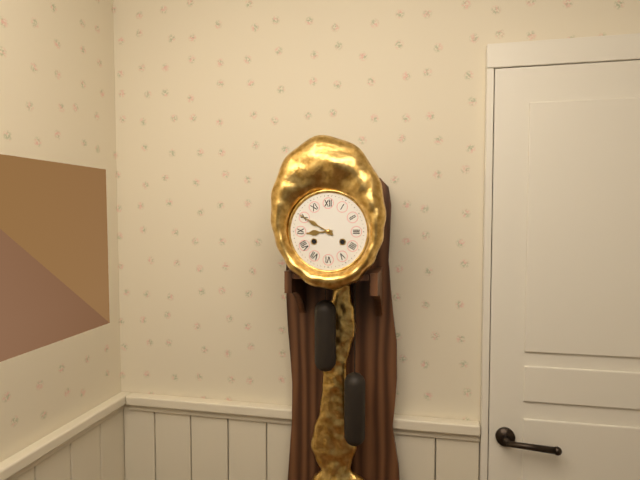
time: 8:50
